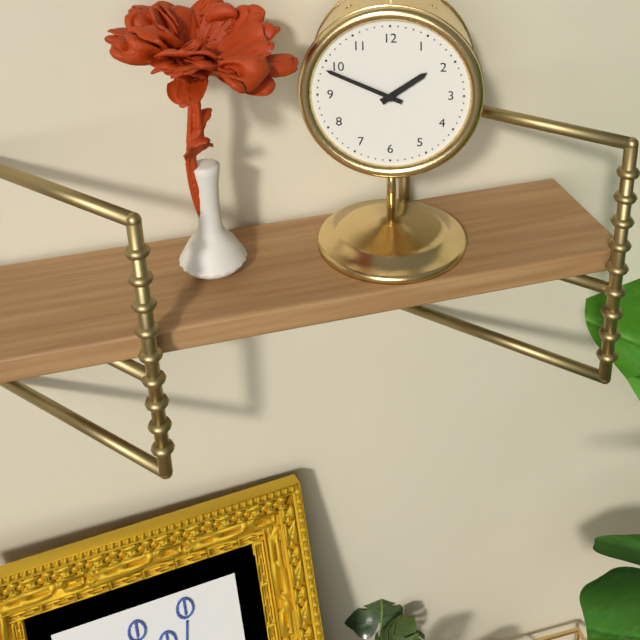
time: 1:49
